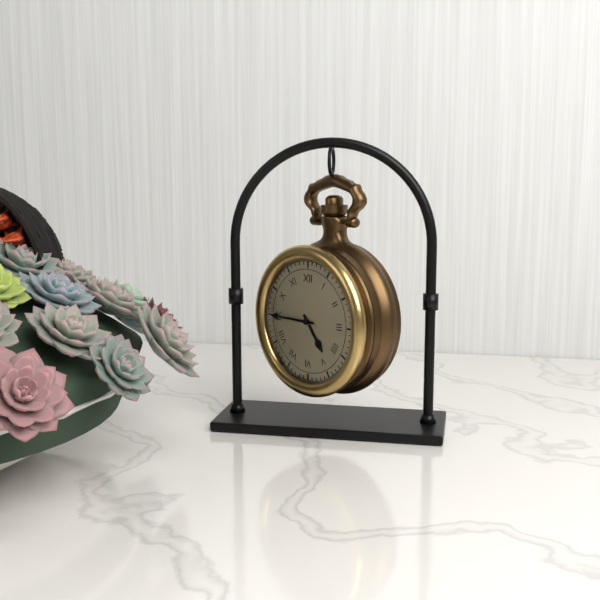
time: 4:45
